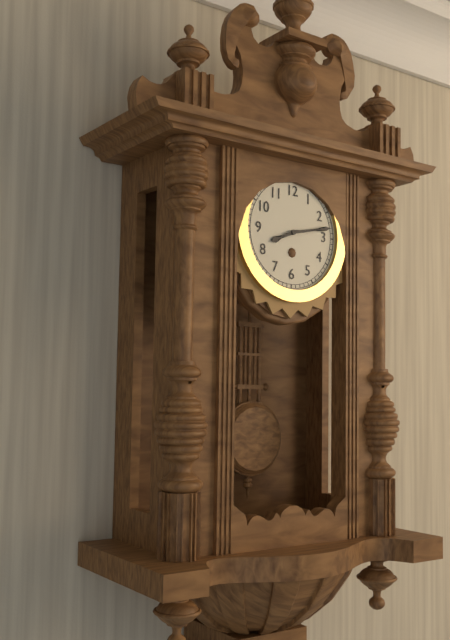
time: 8:13
